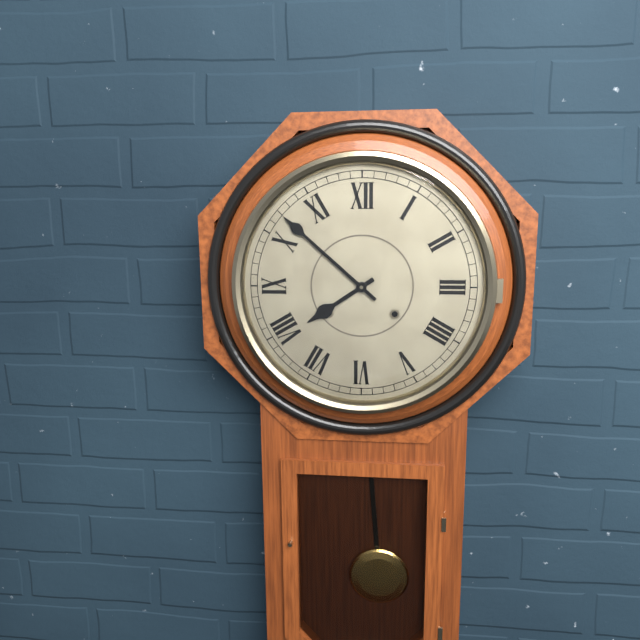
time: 7:52
